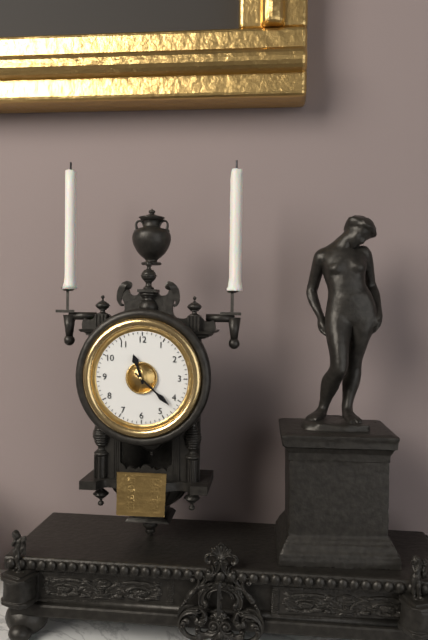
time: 11:22
